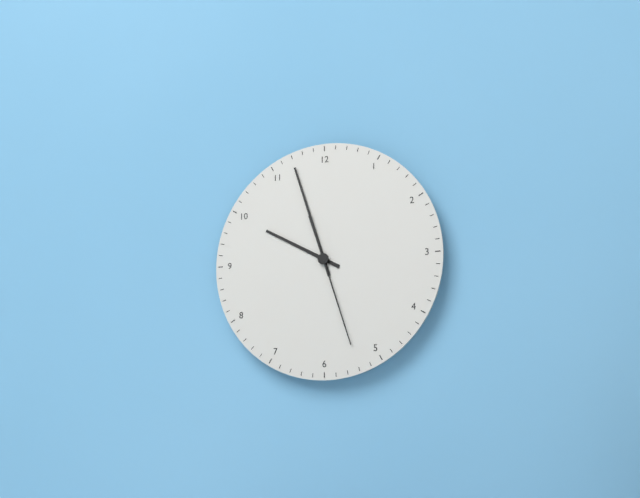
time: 9:57:27
